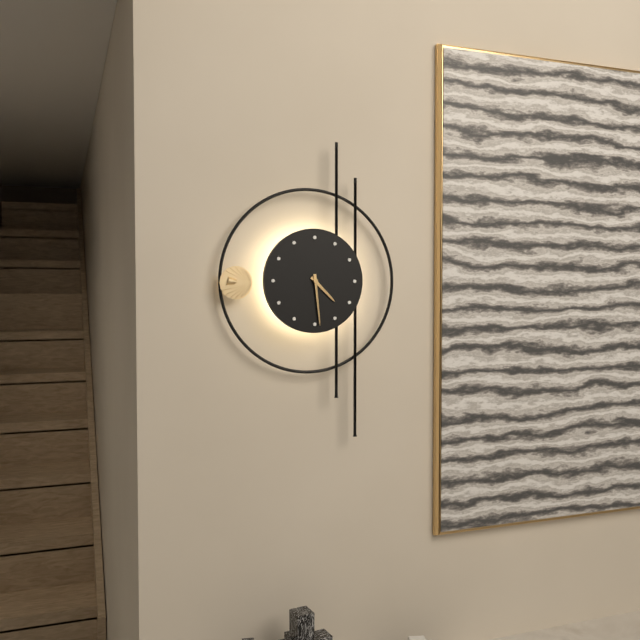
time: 4:29
